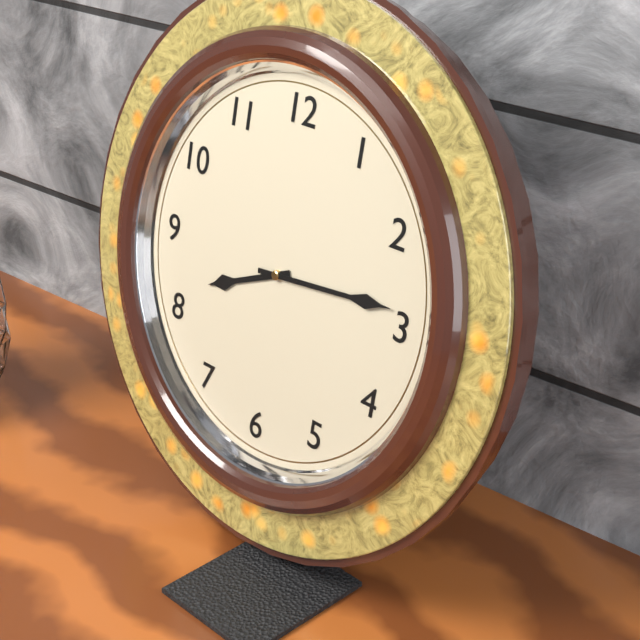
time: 8:14
